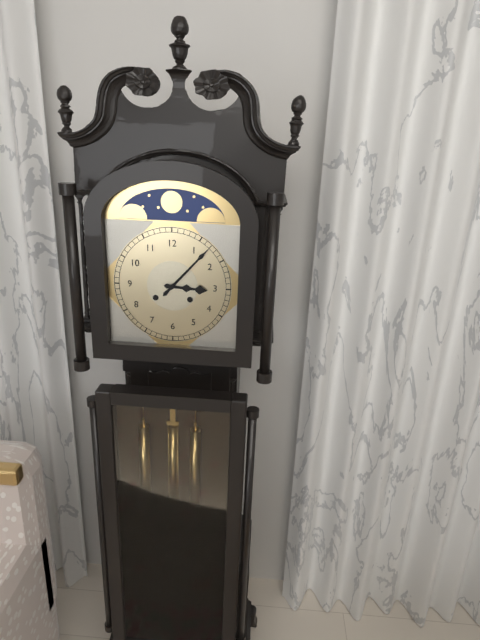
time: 3:07
